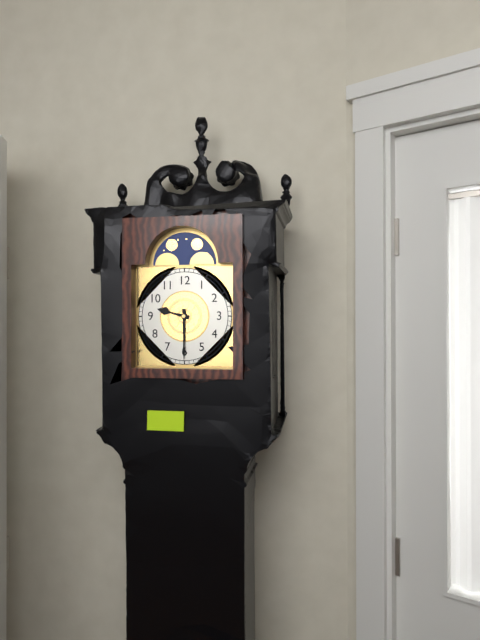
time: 9:30
